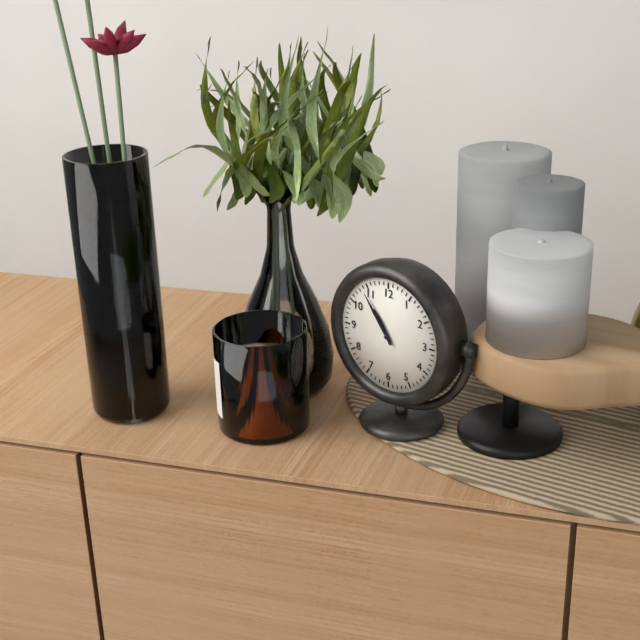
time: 10:54
